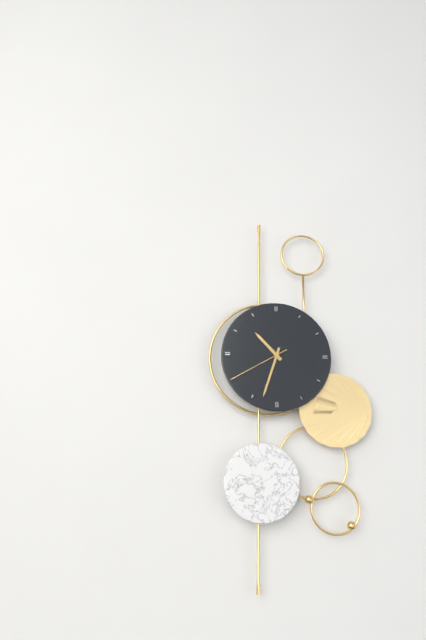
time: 10:33:40
